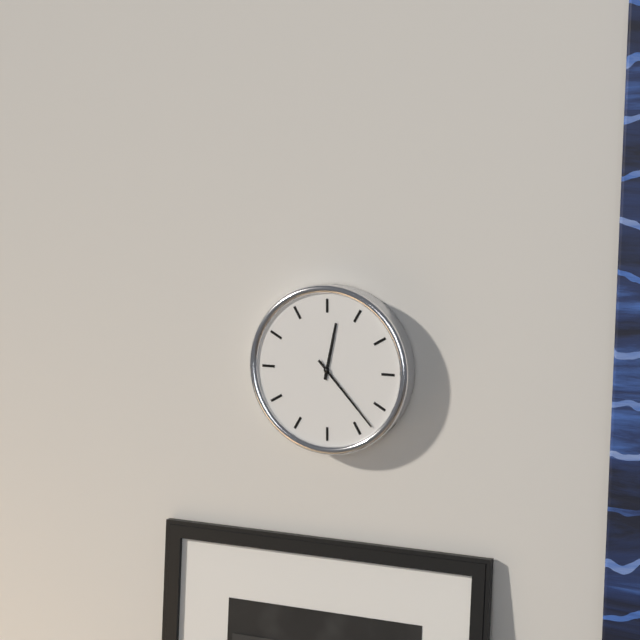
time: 12:23
